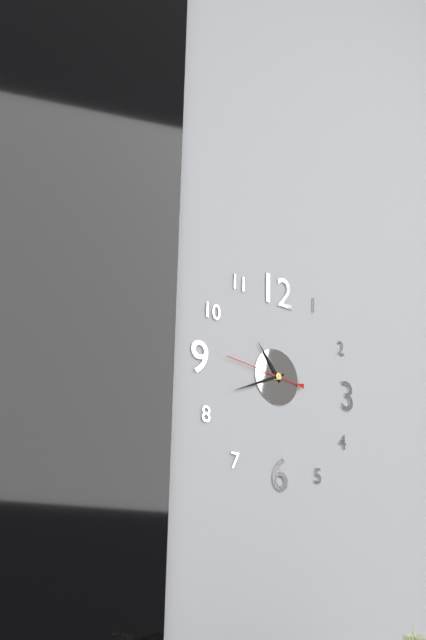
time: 10:41:46
